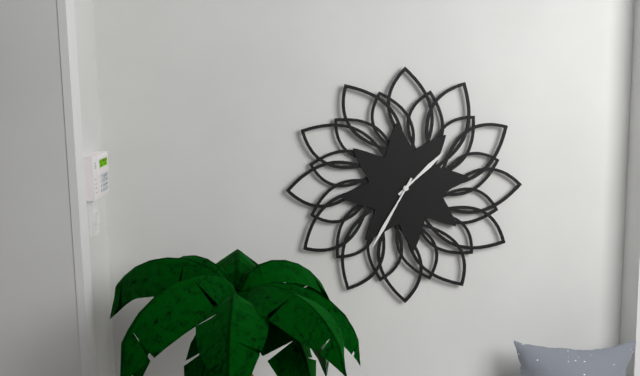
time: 1:35
